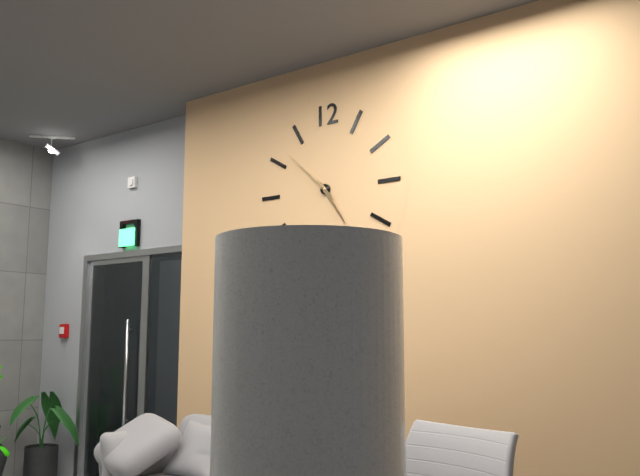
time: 4:52
